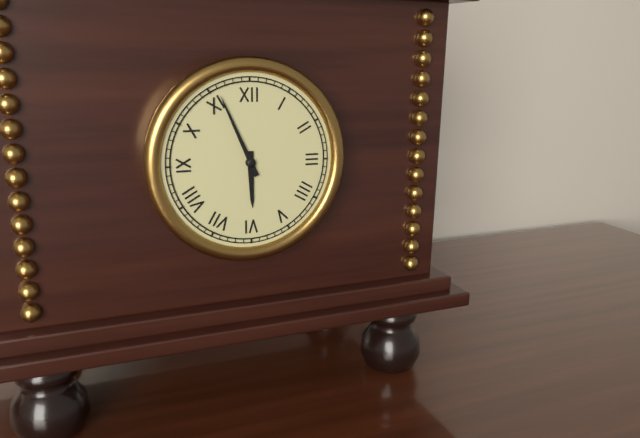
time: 5:56
